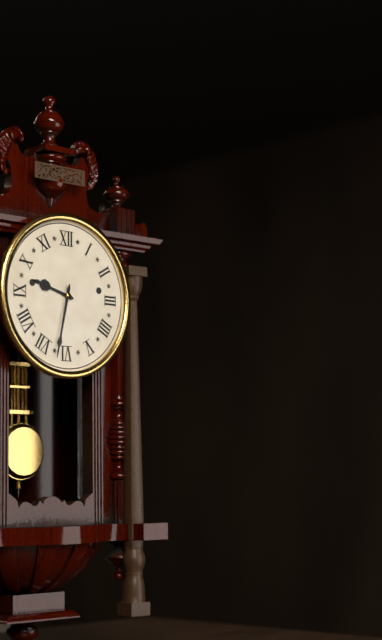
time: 9:32
